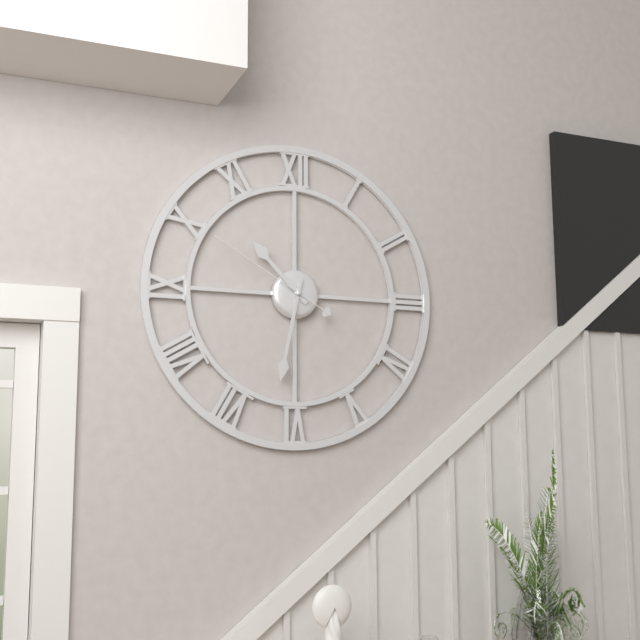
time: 10:32:50
